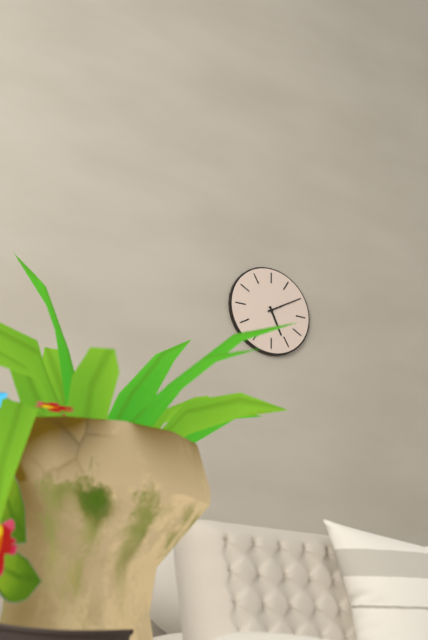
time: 5:10
